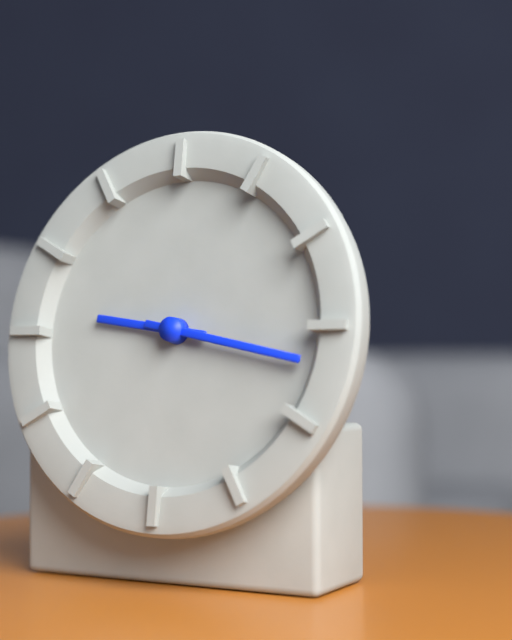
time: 9:17
